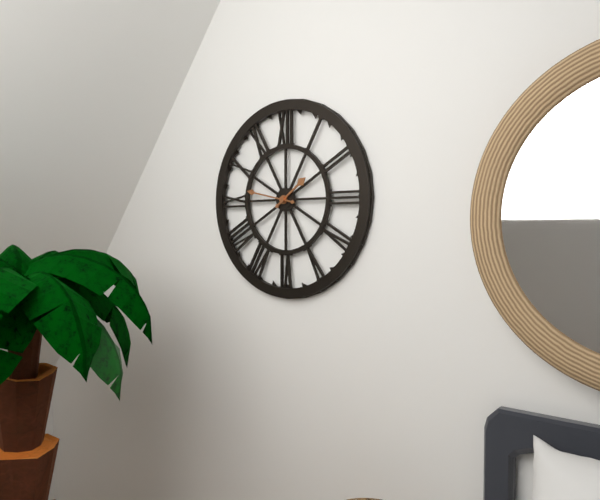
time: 1:47
